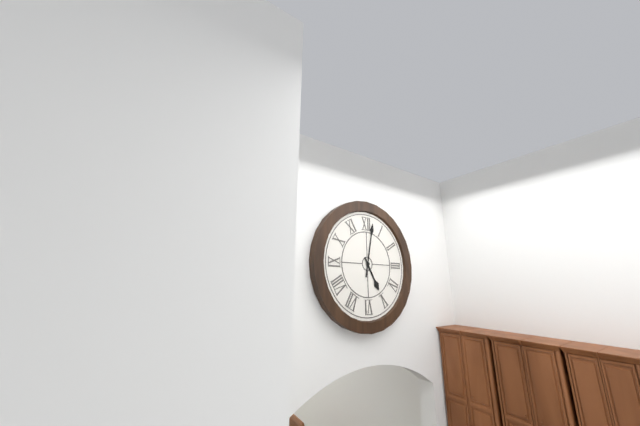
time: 5:02
